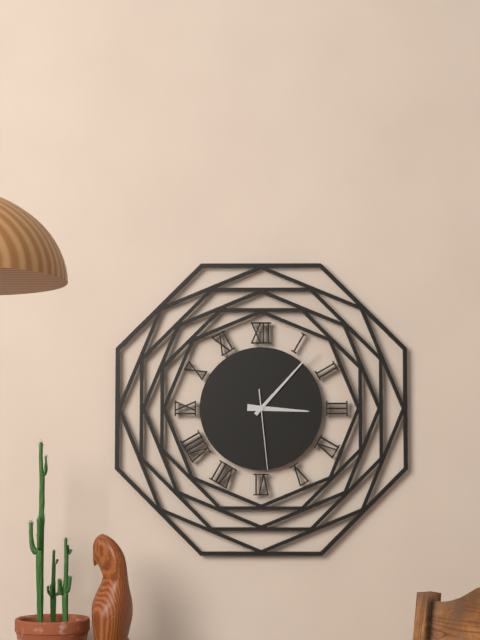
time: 3:07:29
